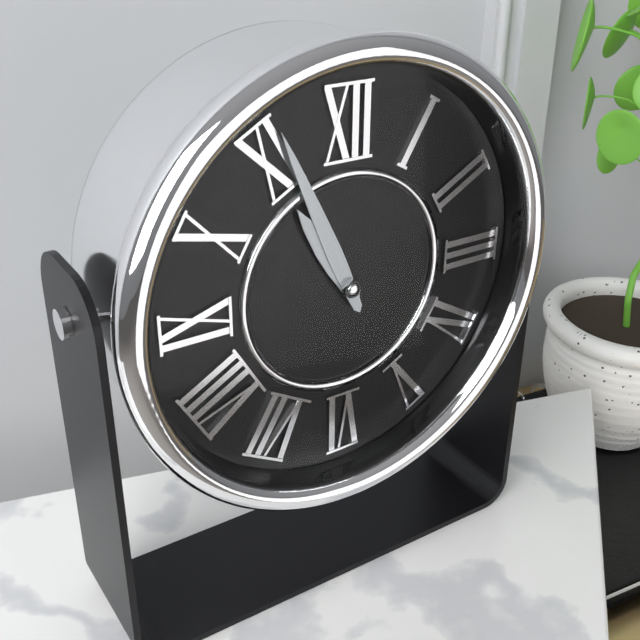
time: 10:56
